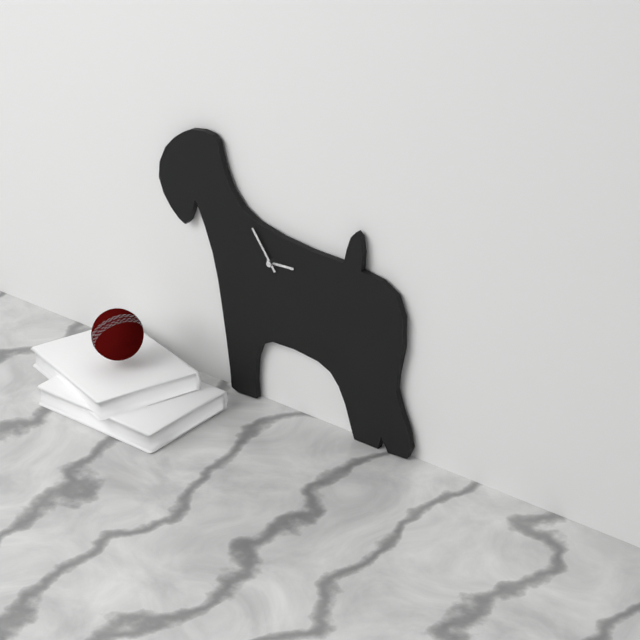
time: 2:54
